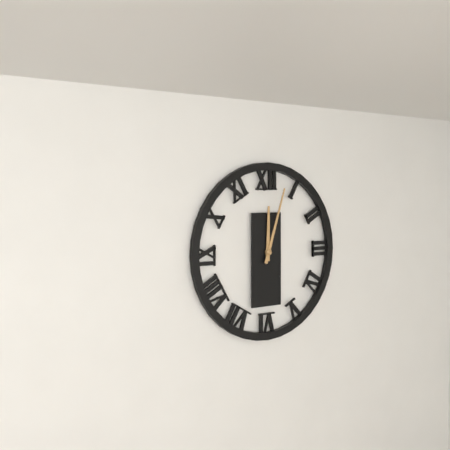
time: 12:03
